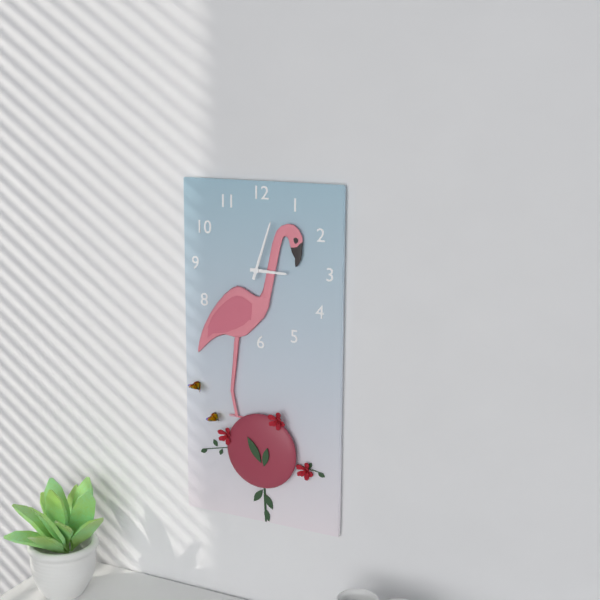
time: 3:03
